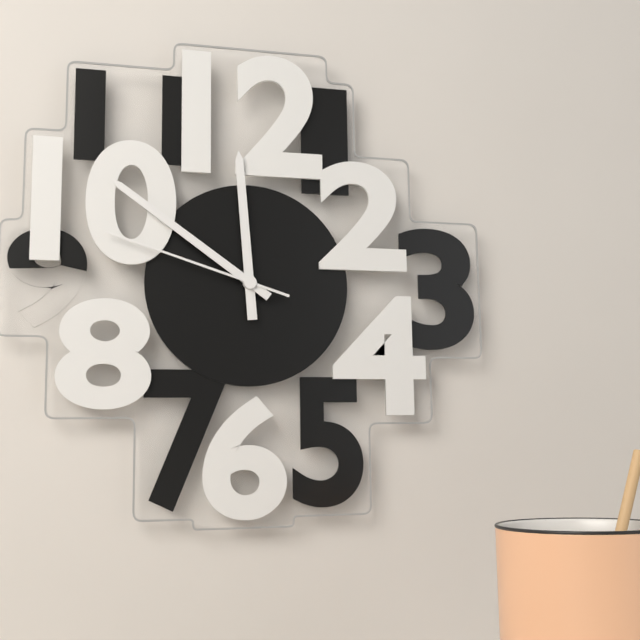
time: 11:51:48
